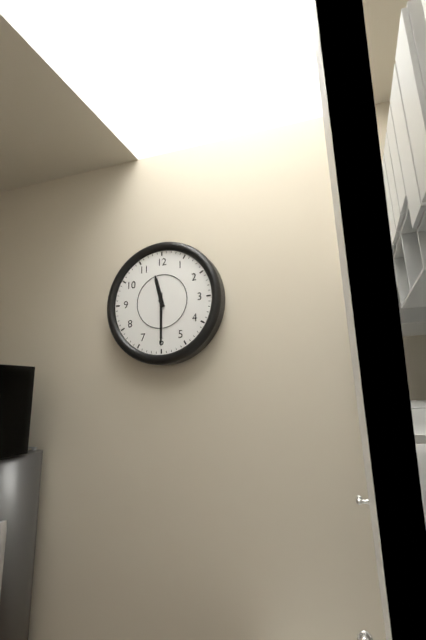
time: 11:30
